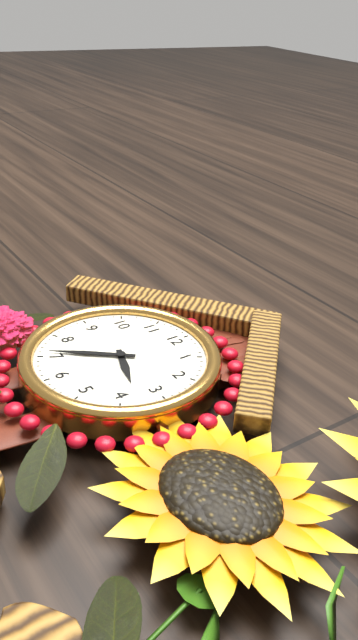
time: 3:36
